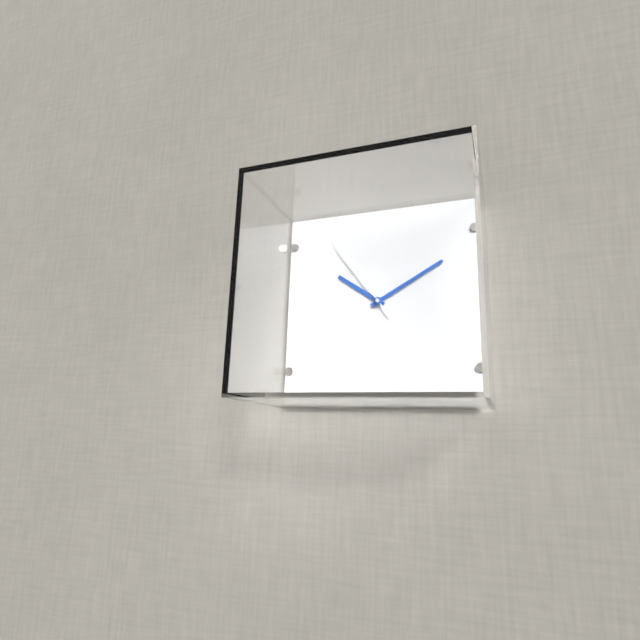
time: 10:10:54
